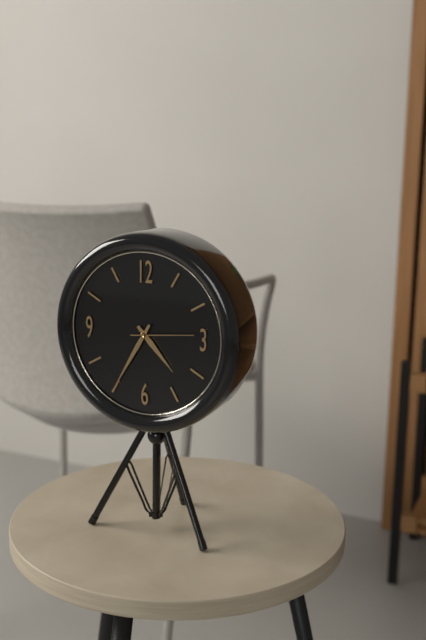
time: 4:35:14
